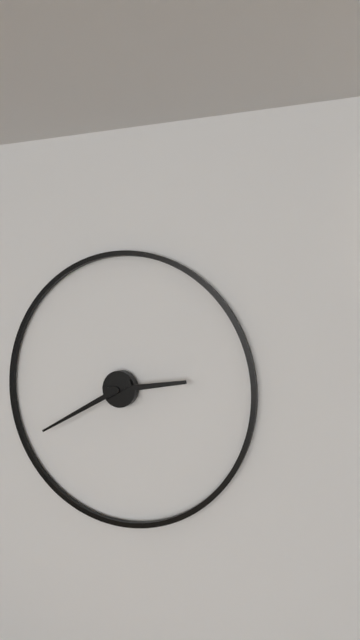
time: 2:40
